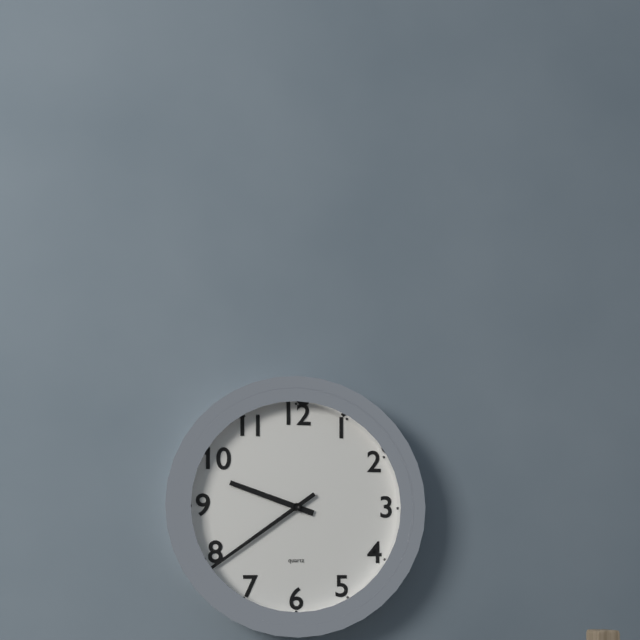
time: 9:39
